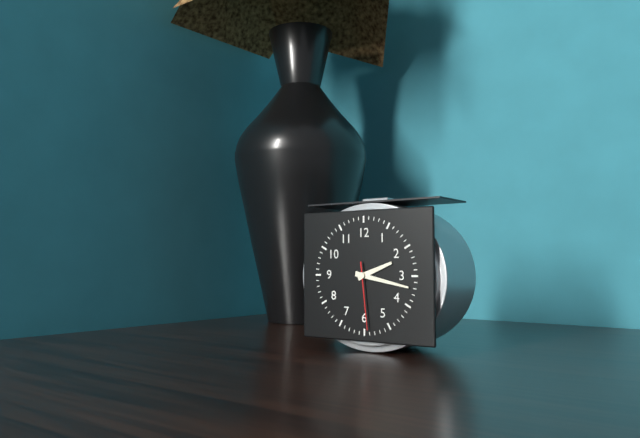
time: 2:17:29
